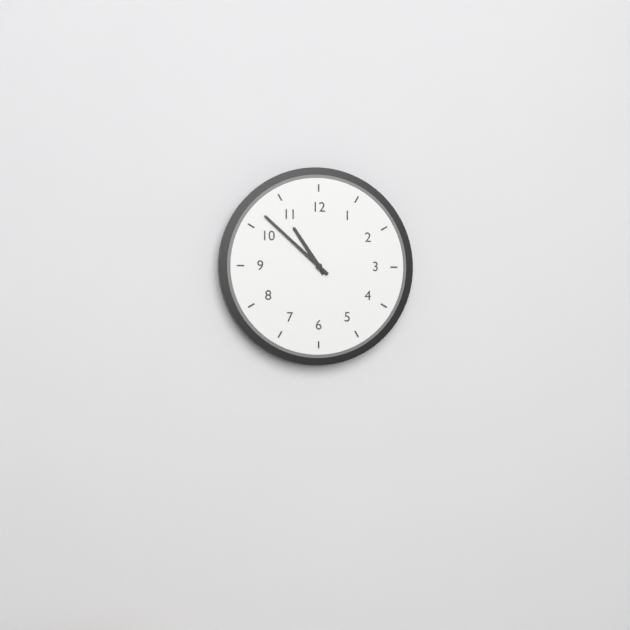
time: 10:52
